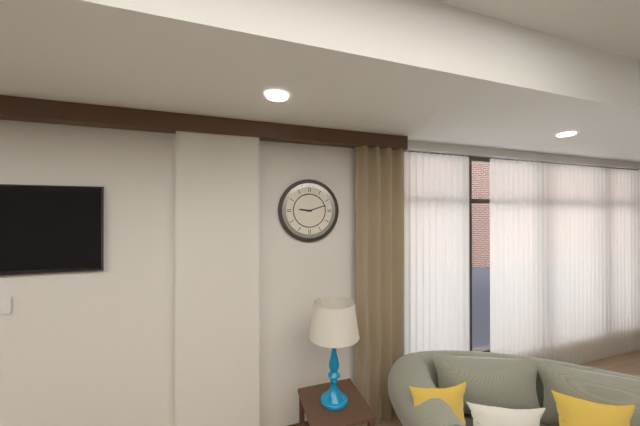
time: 9:12
